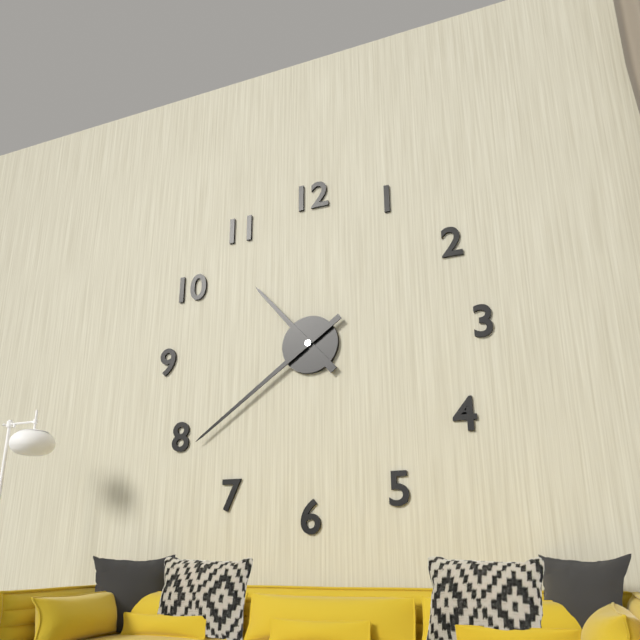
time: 10:39
